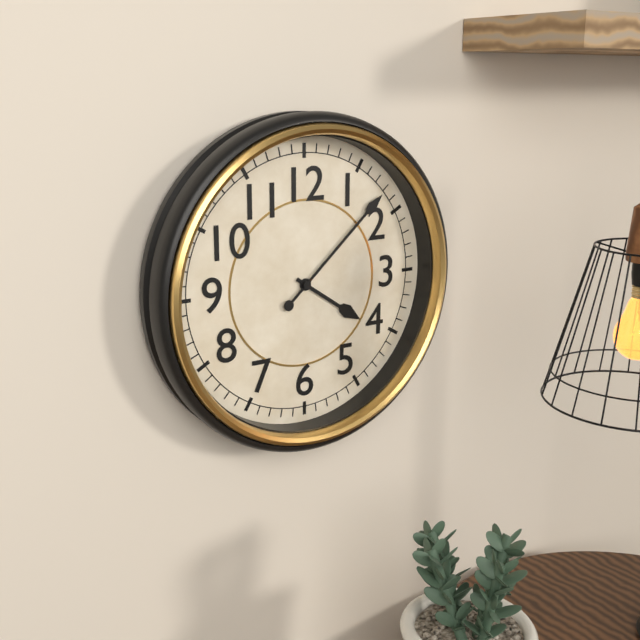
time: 4:08
